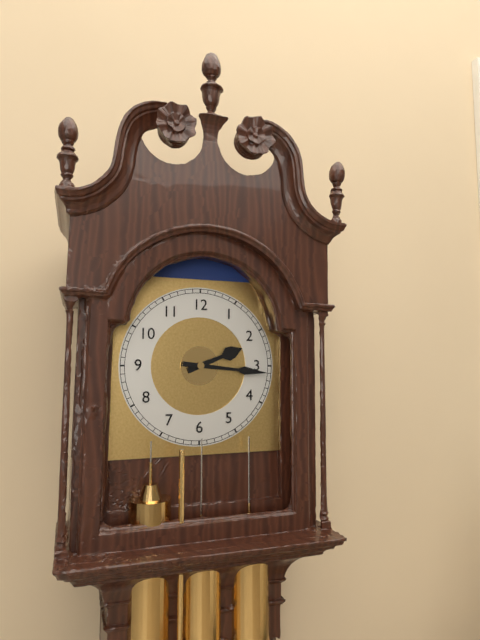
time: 2:16
